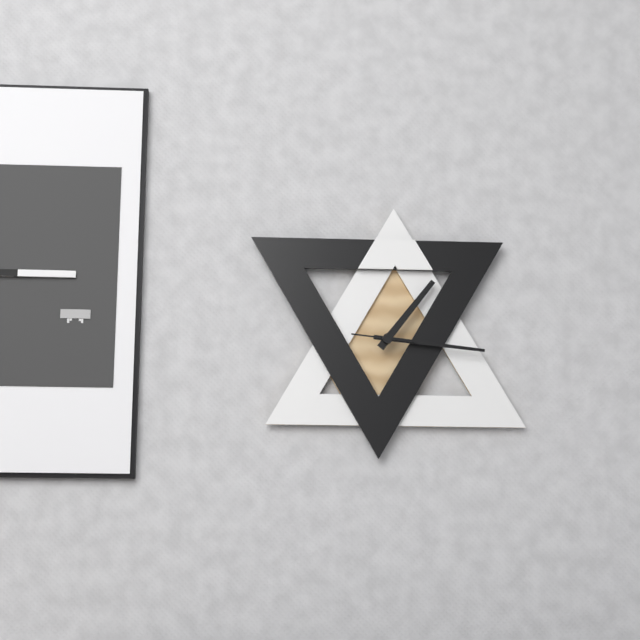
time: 1:16
